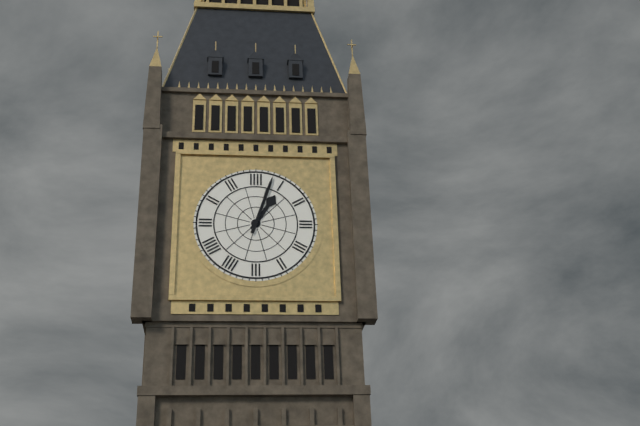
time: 1:03
